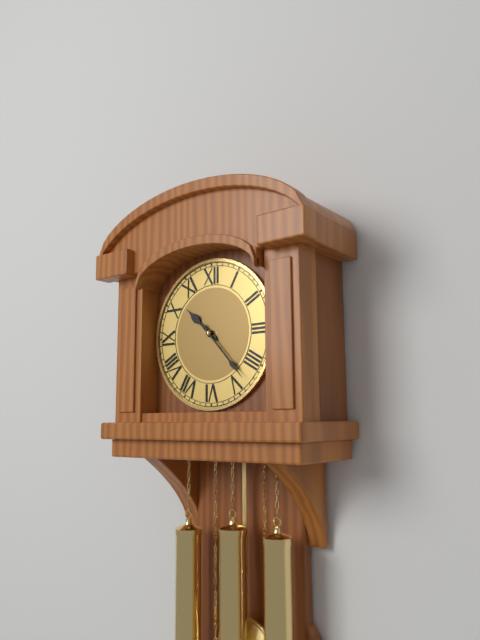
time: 10:23
